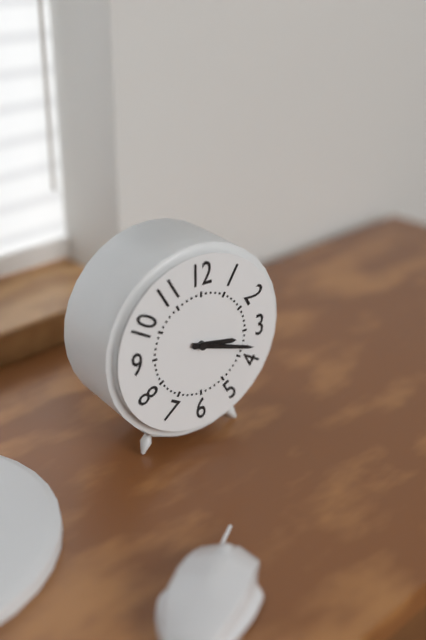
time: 3:18
